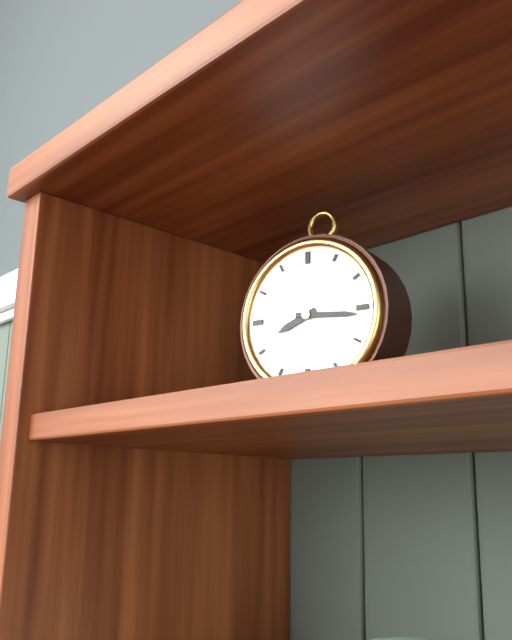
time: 8:16
